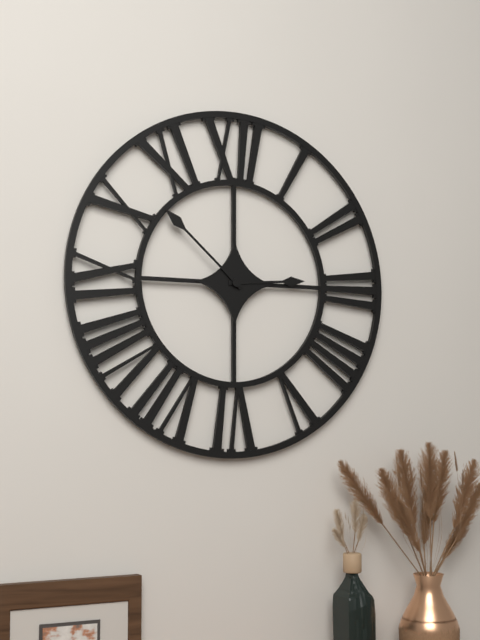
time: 2:52
